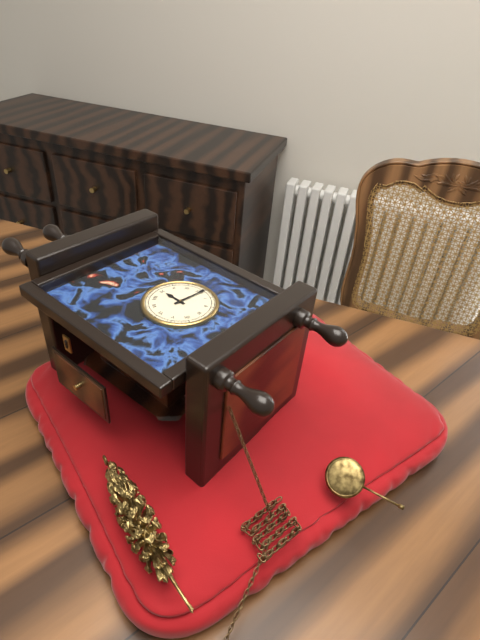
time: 9:01
